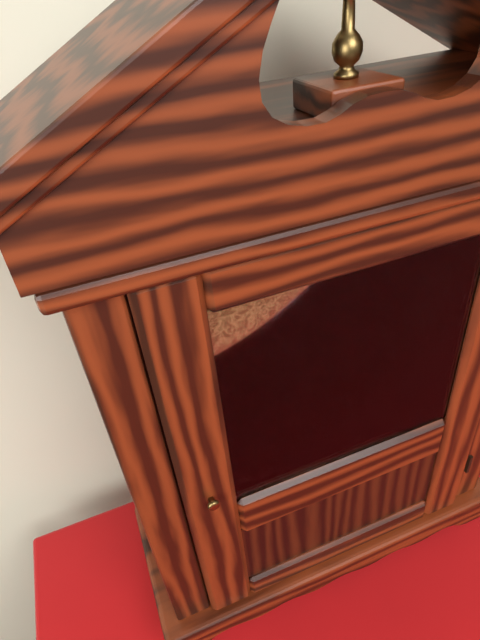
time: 1:06
